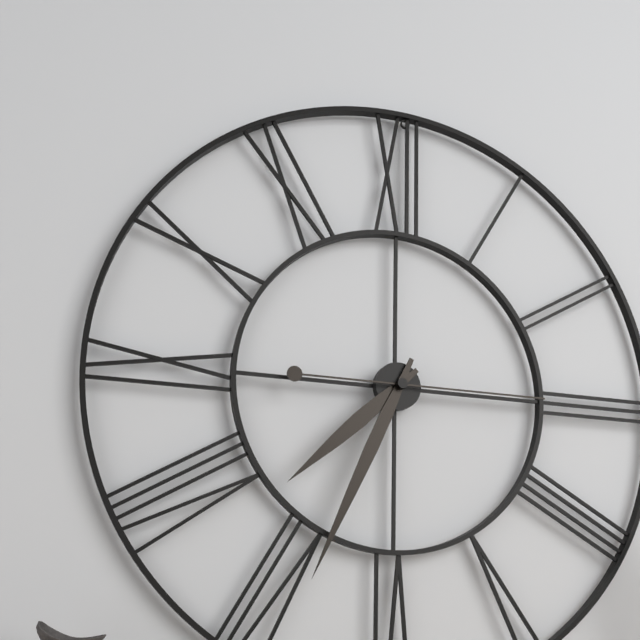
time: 7:34:15
